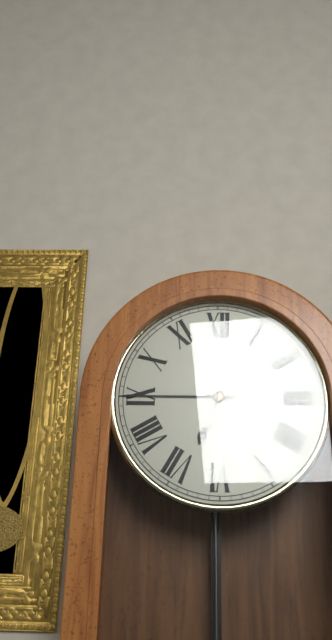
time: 6:45
